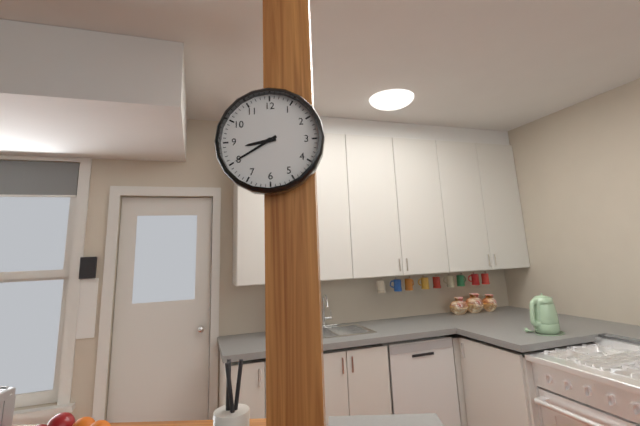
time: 8:40
